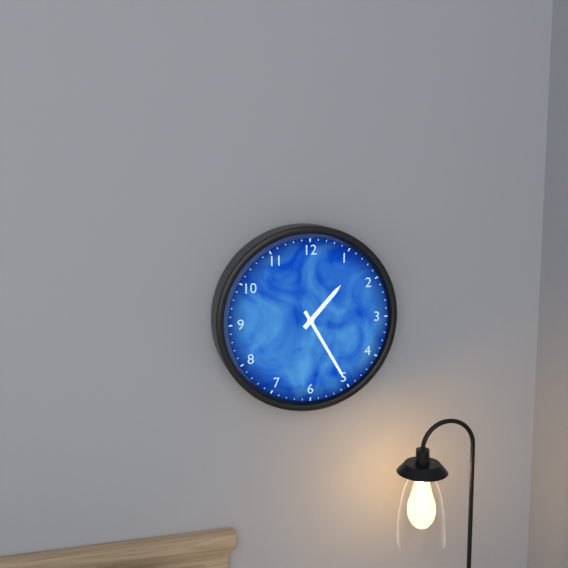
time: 1:25
